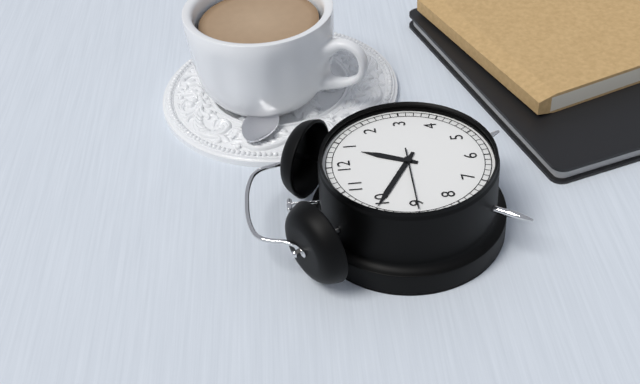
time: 12:50:45
